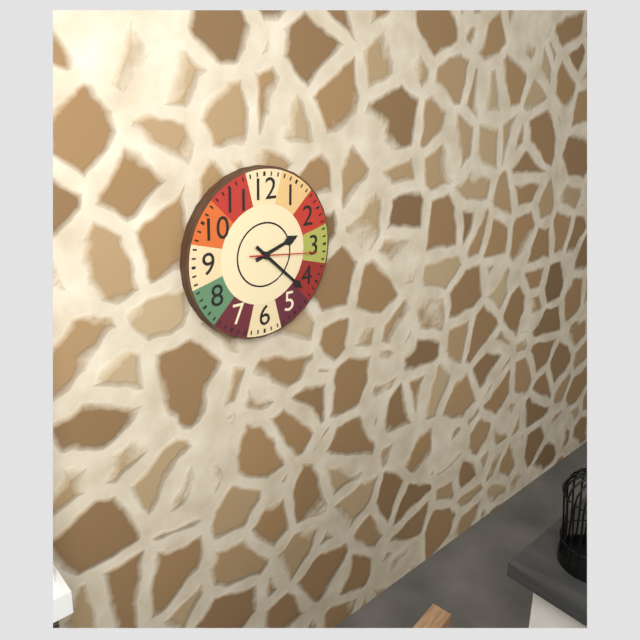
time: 2:22:16
